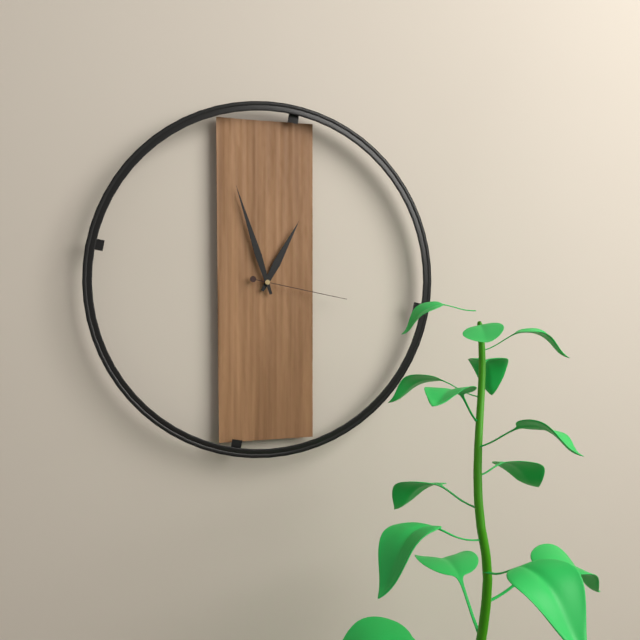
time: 12:57:17
